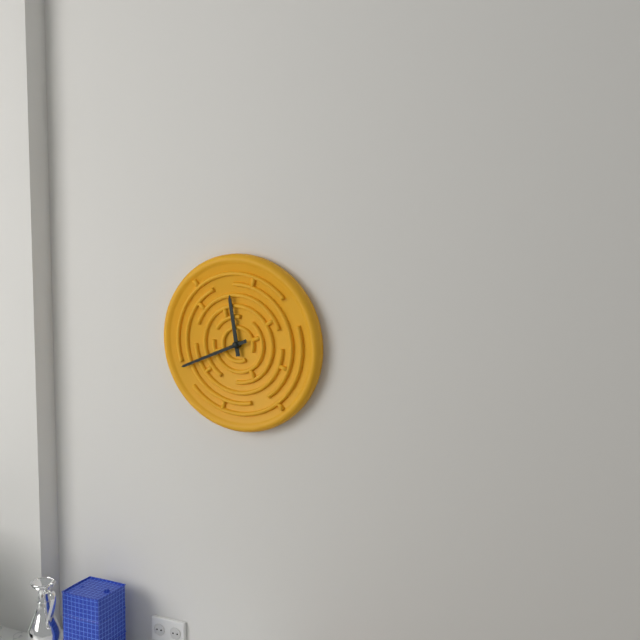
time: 11:41
